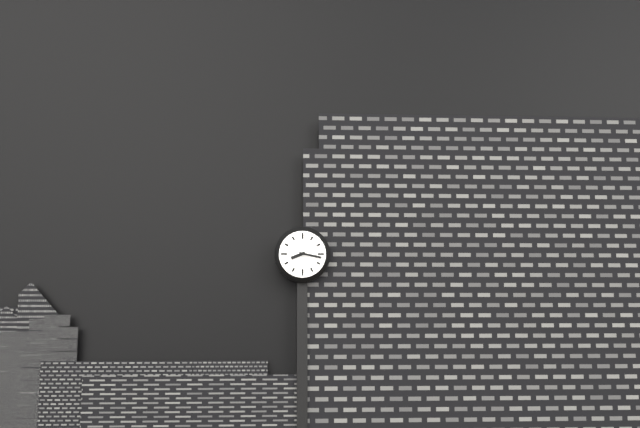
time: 8:17
